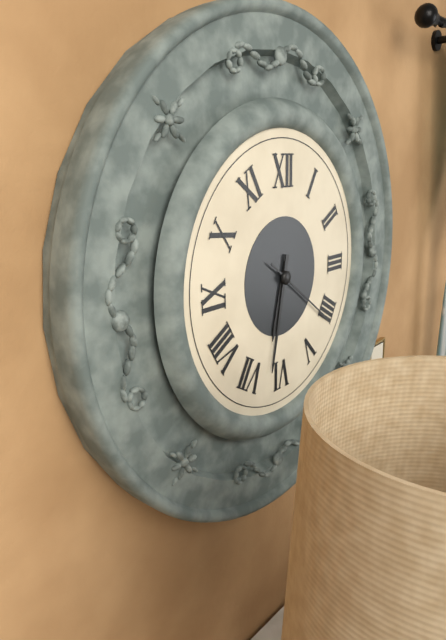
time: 6:32:21
